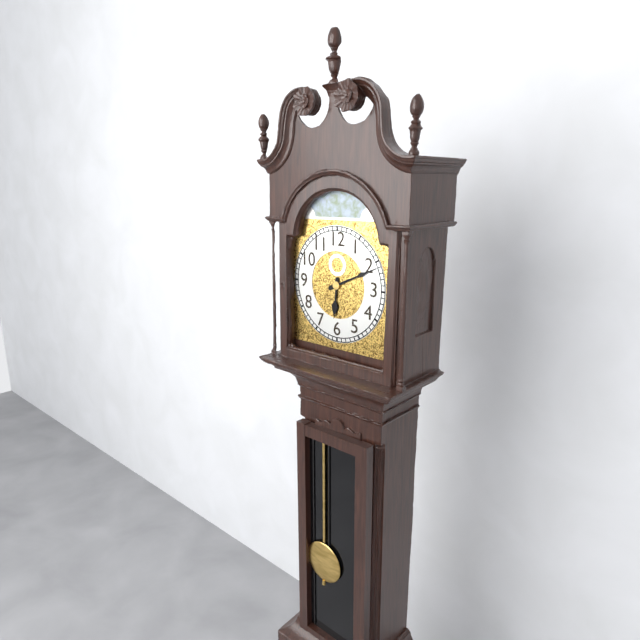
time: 6:11
